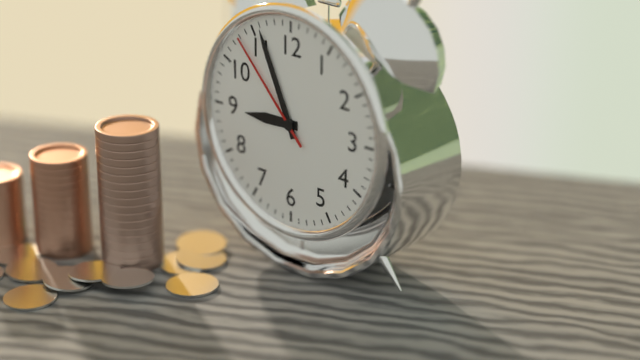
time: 8:56:53
